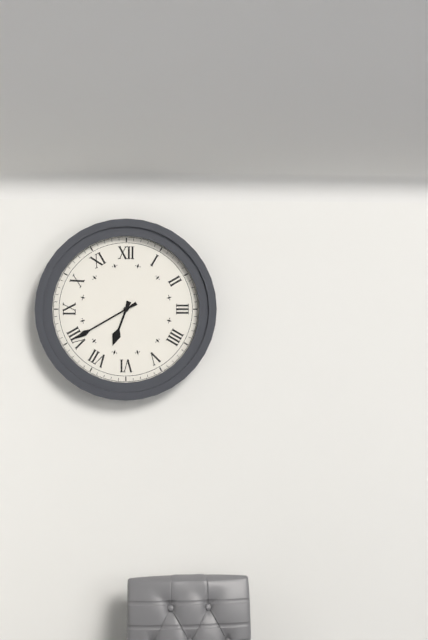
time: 6:40
